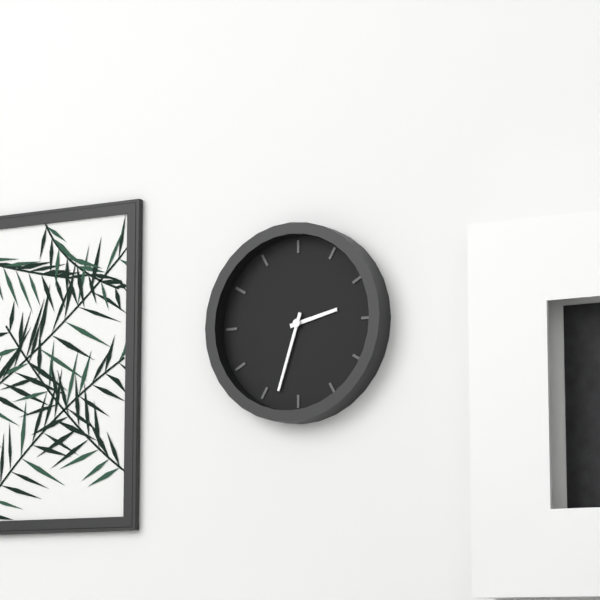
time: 2:33
